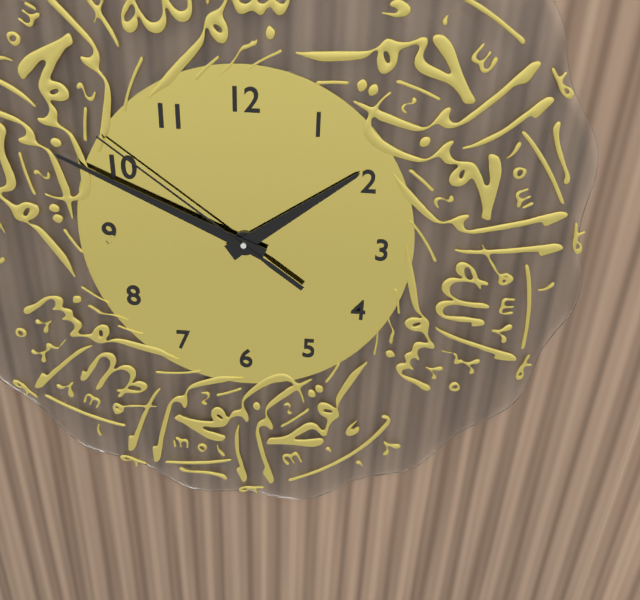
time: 1:49:51
